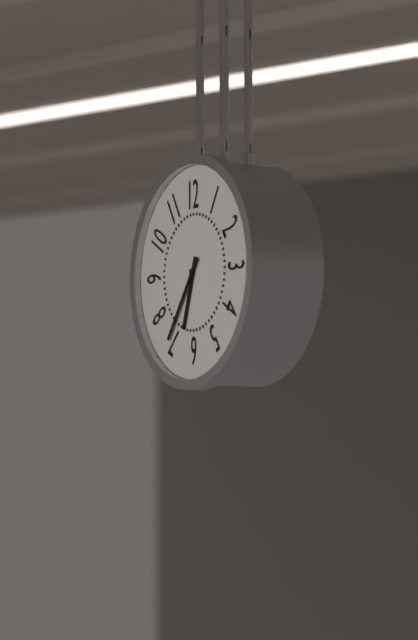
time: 6:36
